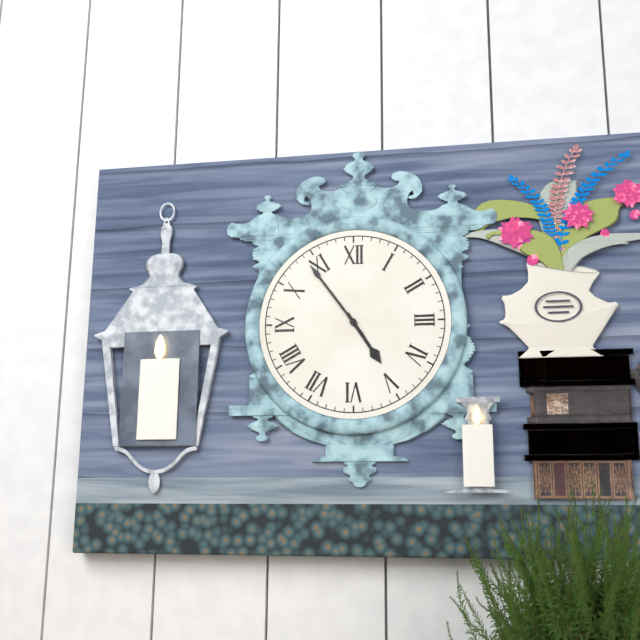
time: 4:54
